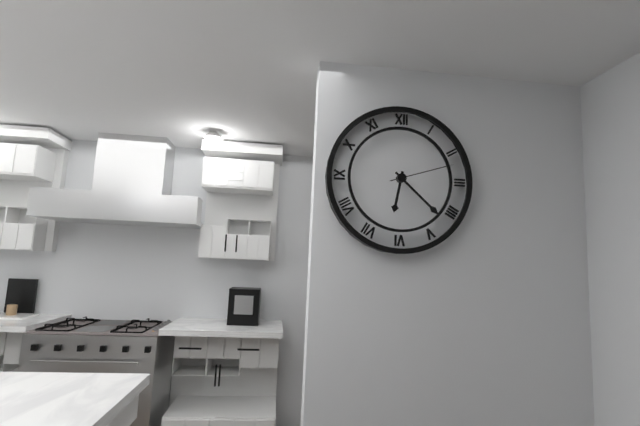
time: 6:22:12
